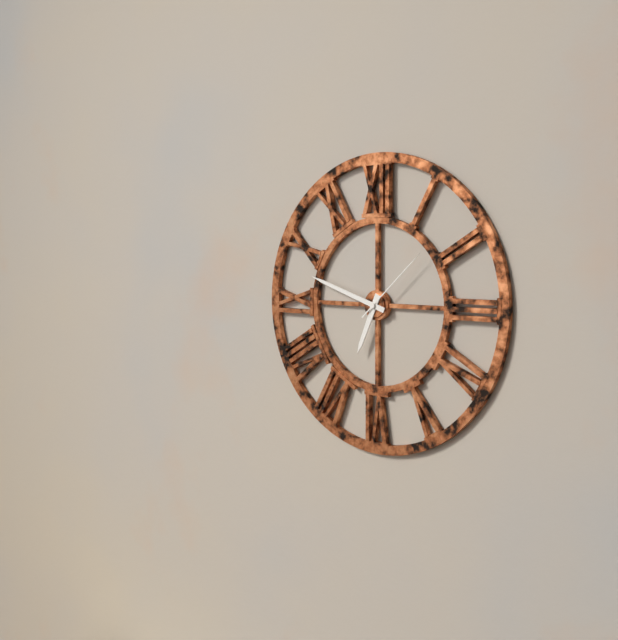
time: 6:48:08
